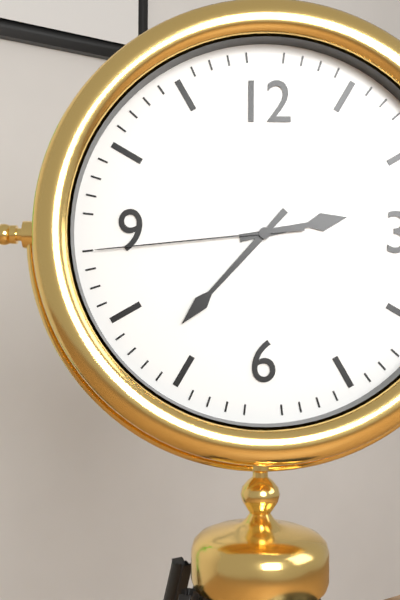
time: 2:37:44
